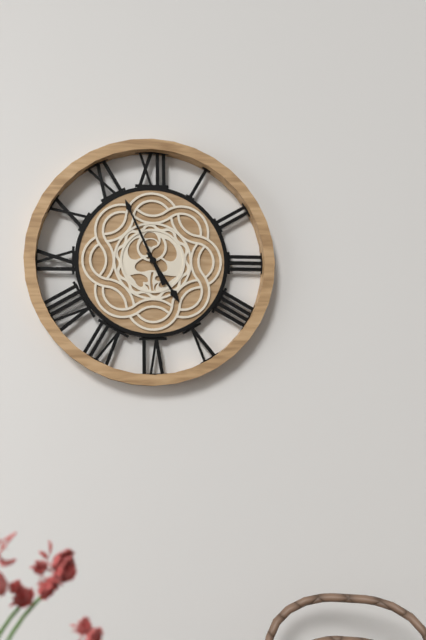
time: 4:56
